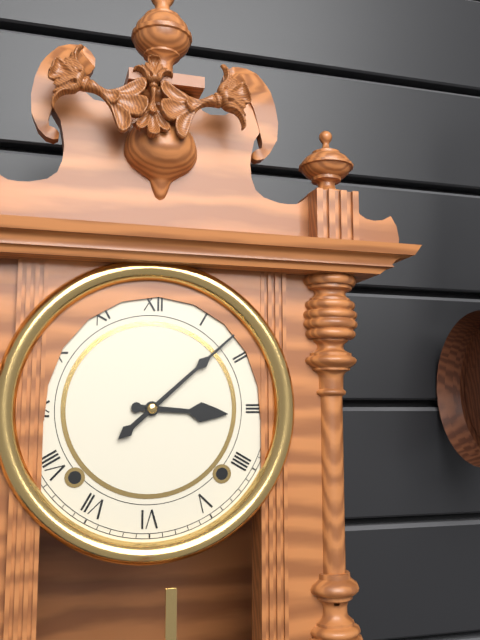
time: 3:08
